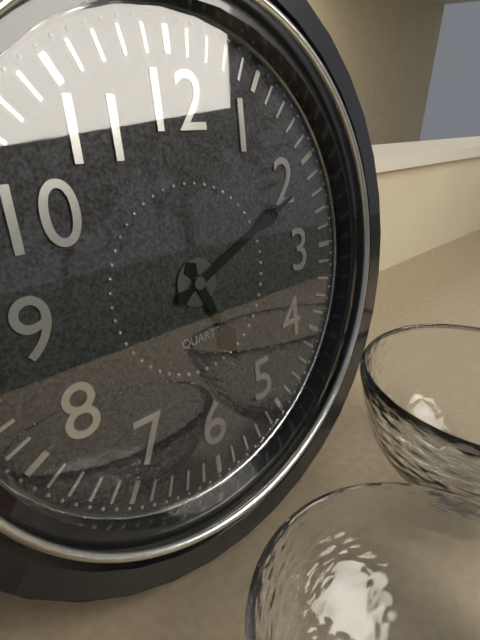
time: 5:11
